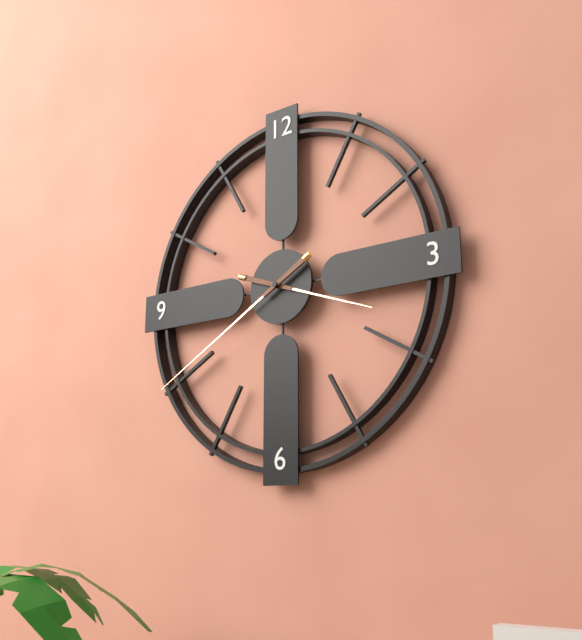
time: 3:40
